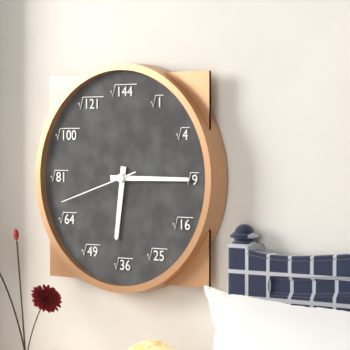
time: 6:15:42
